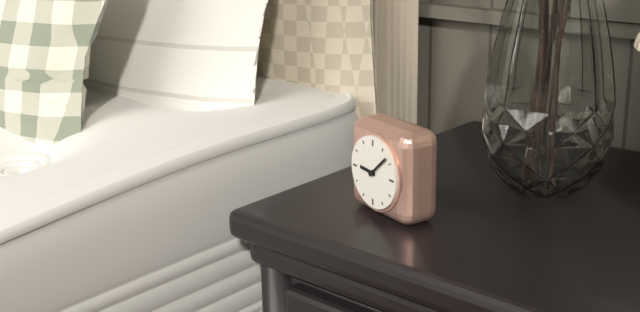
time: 9:08
